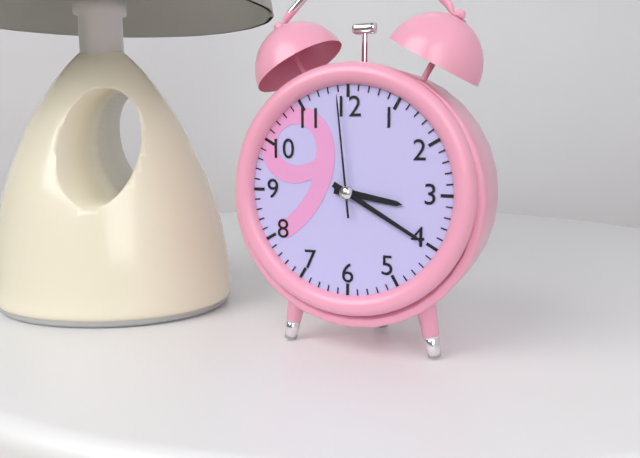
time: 3:20:59
